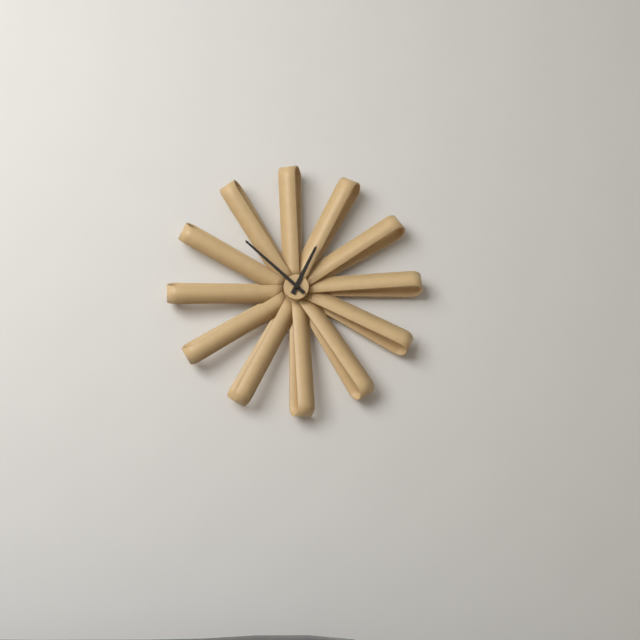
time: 12:52
